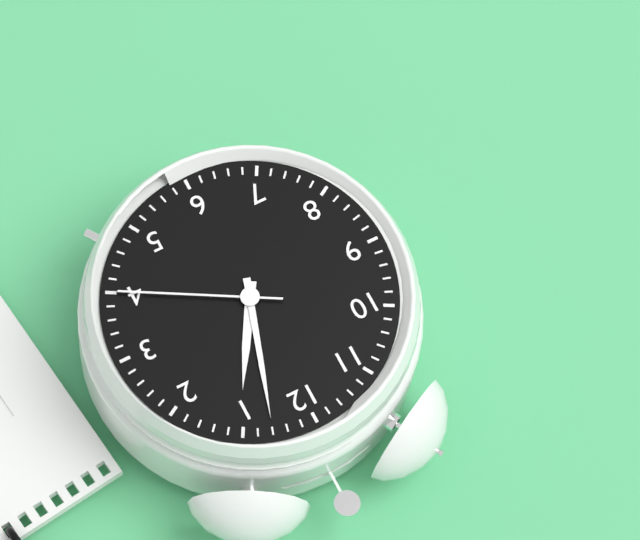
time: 1:03:20
